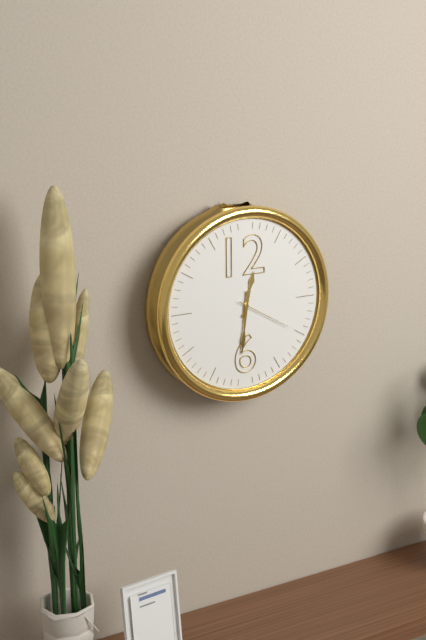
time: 12:31:20
